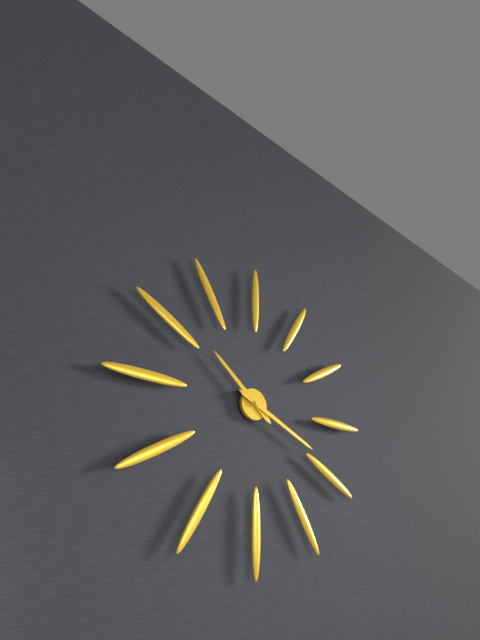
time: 10:19
